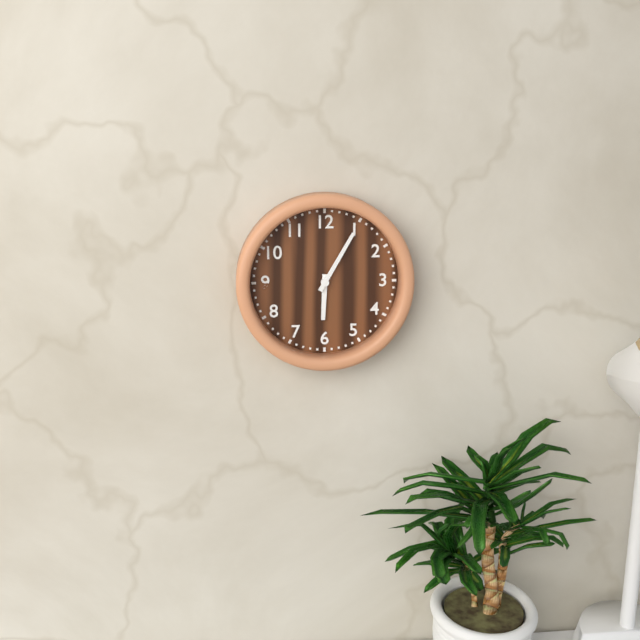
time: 6:05
